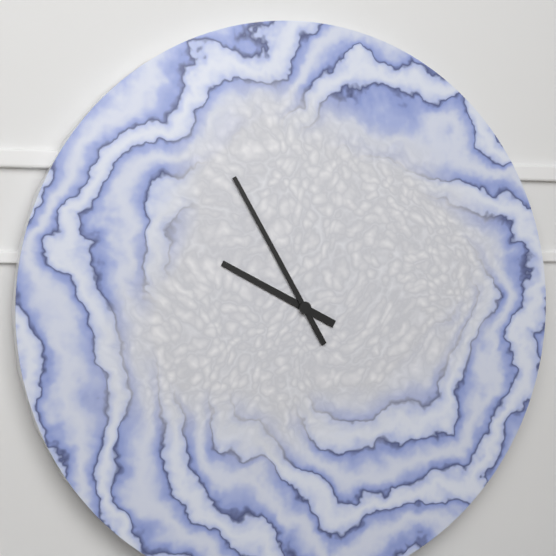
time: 9:55
